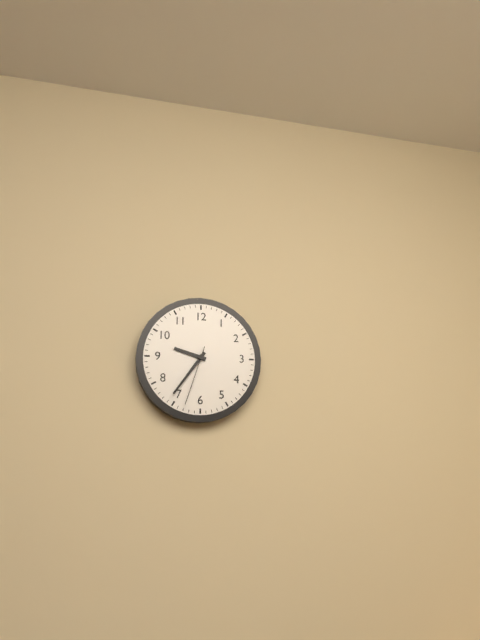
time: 9:36:33
